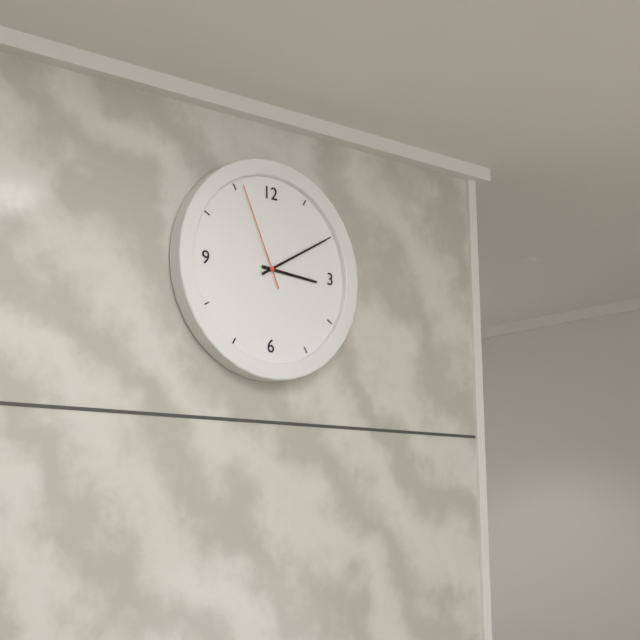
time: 3:10:56
